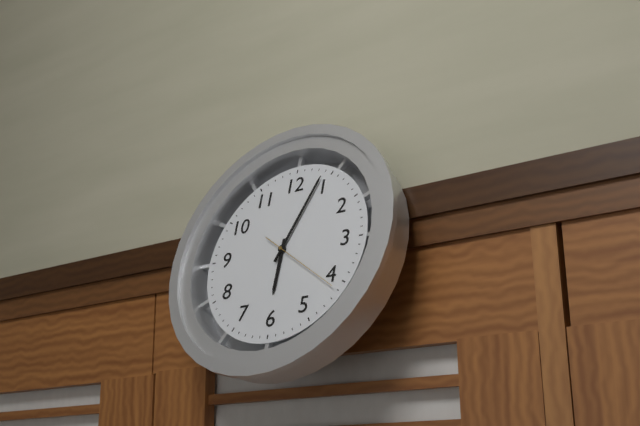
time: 6:04:21
